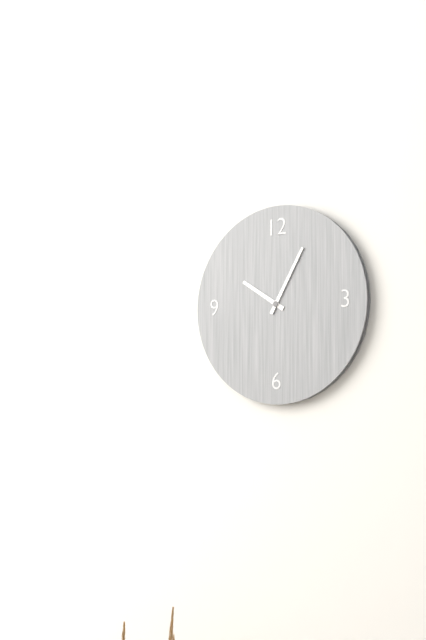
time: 10:05
